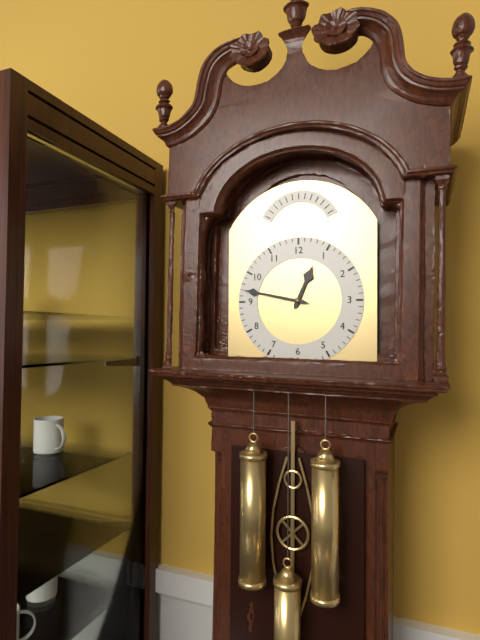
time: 12:47
